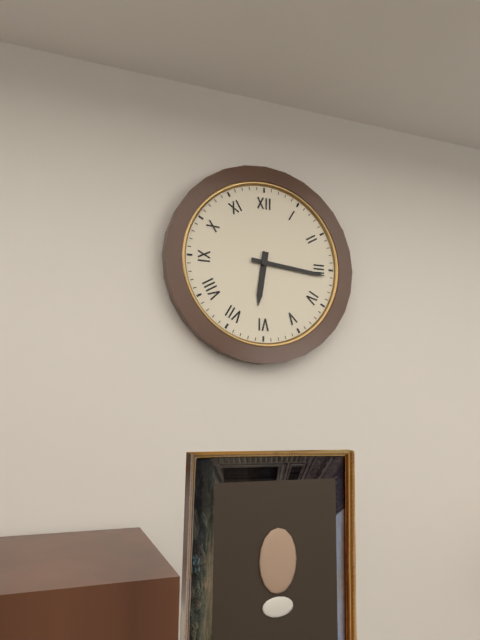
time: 6:16
